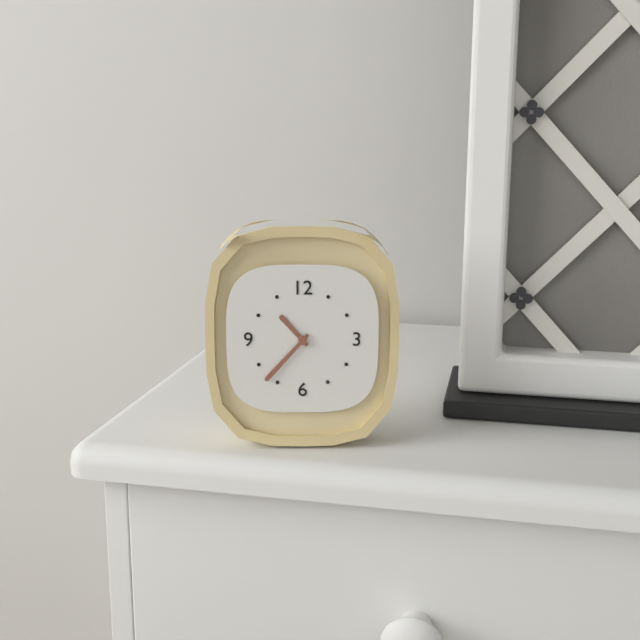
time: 10:37
